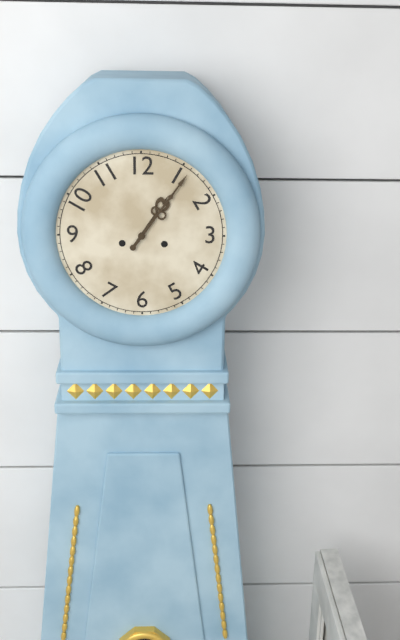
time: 1:06
